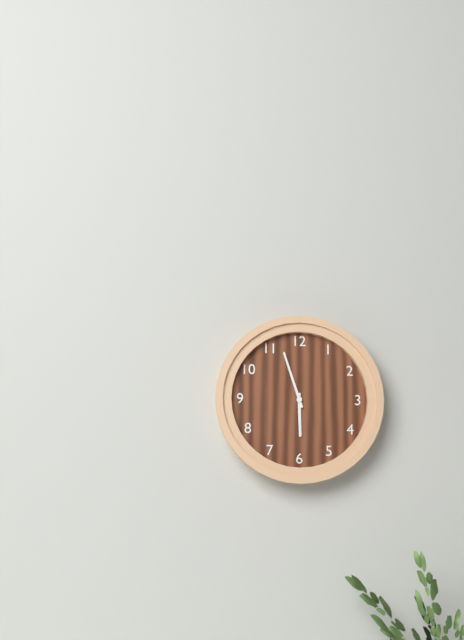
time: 5:57
